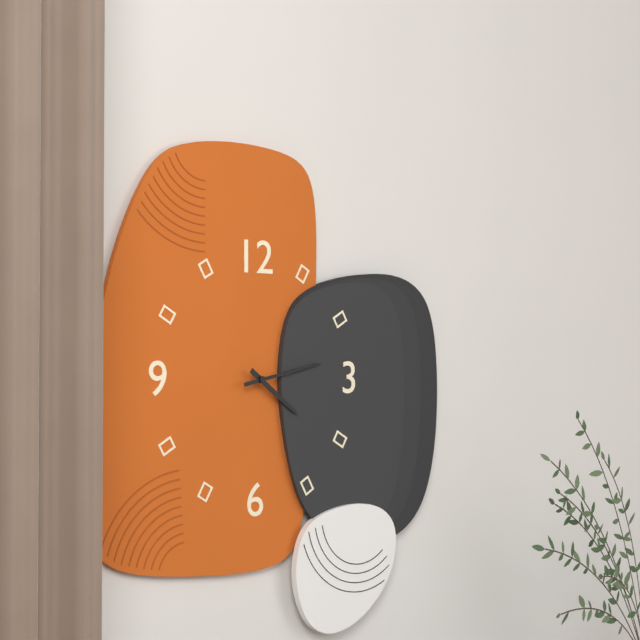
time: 4:13
